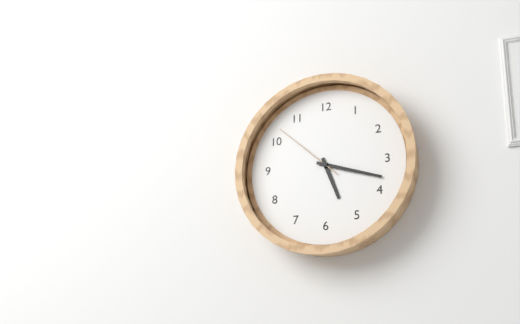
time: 5:18:52
